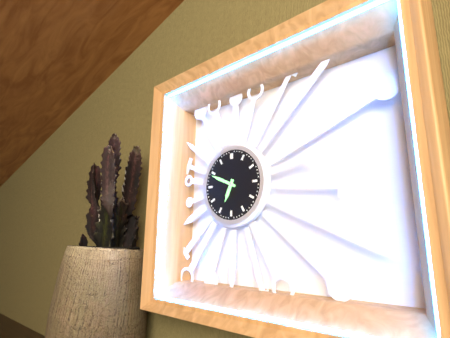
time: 6:49
